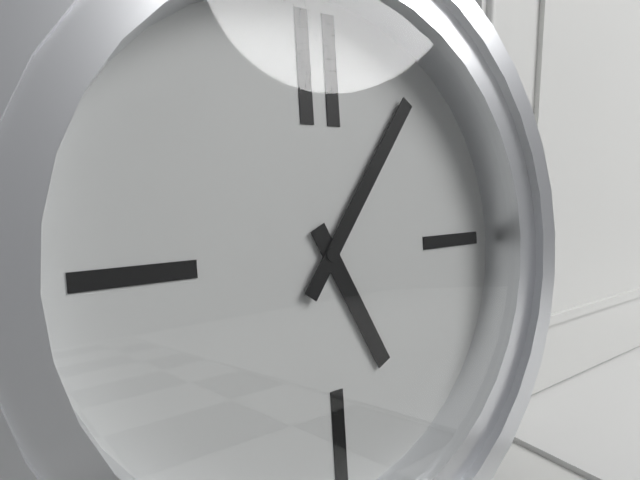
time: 5:06
